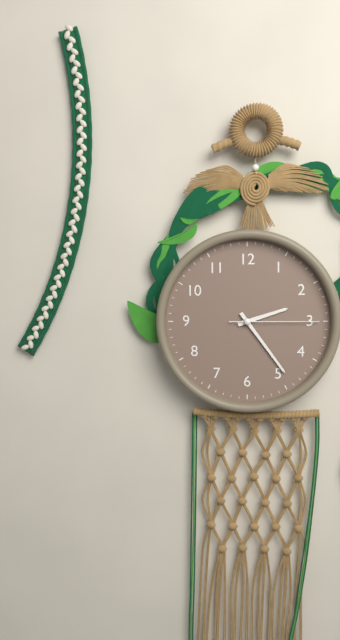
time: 2:24:15
